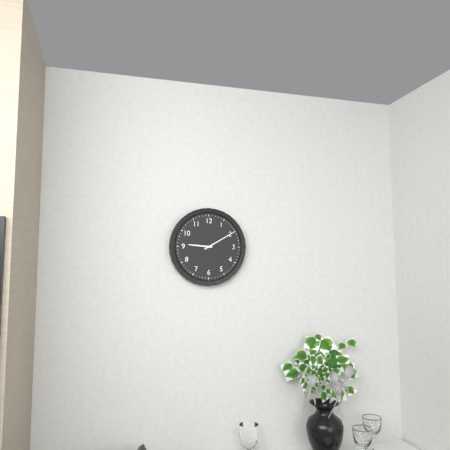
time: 9:10
